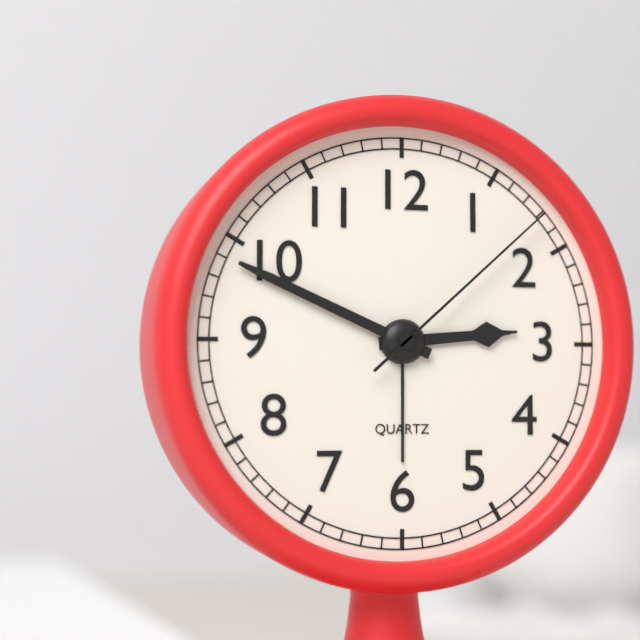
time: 2:49:08
